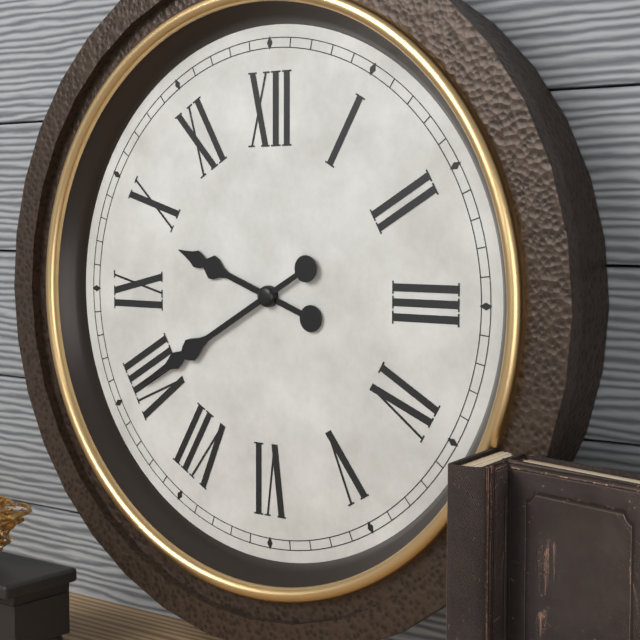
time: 9:40
